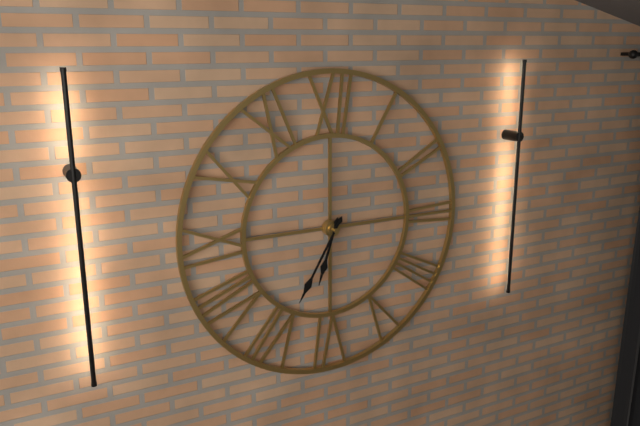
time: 6:35
